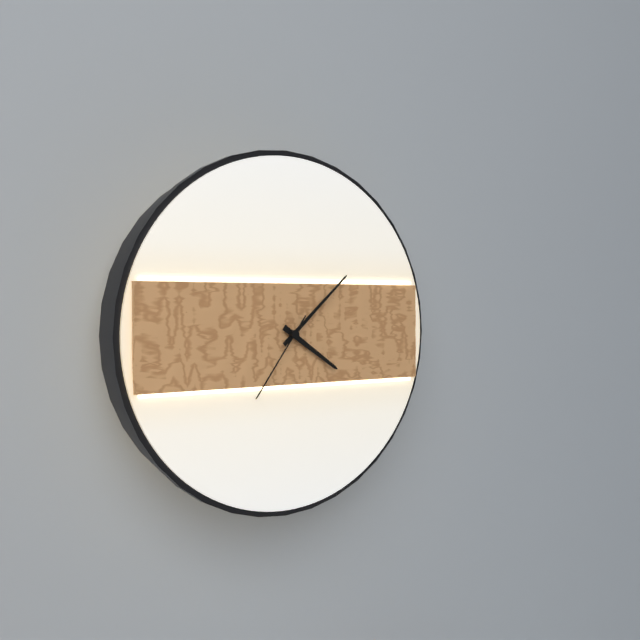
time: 4:08:36
